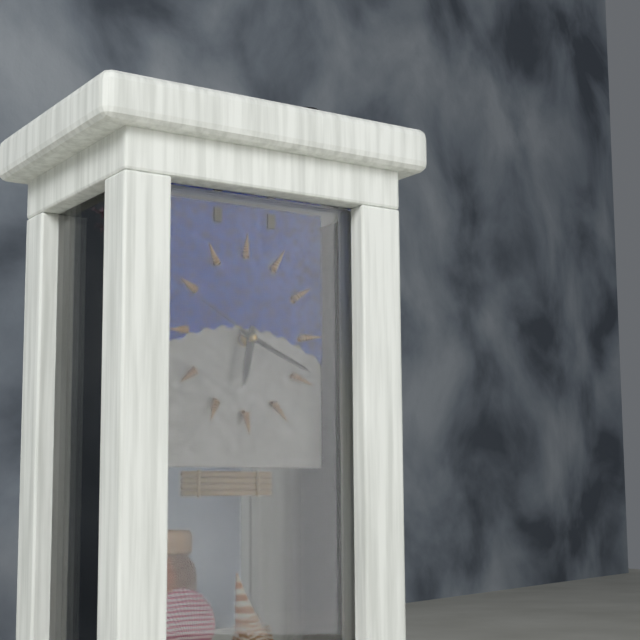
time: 6:19:50
